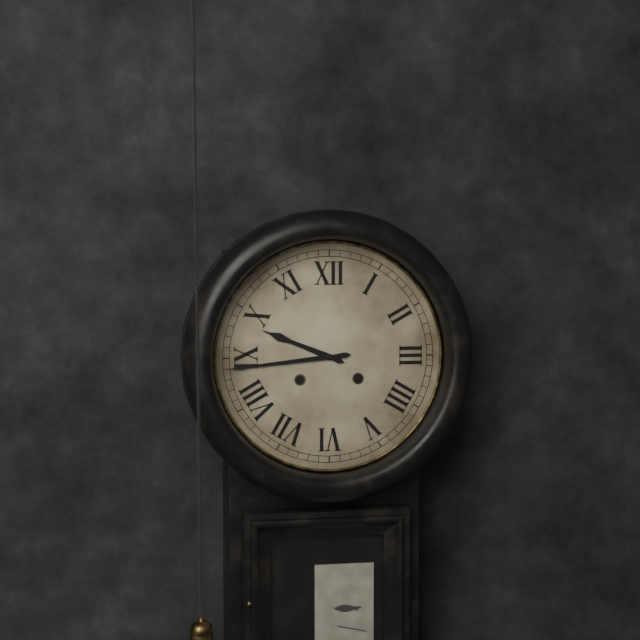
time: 9:44
